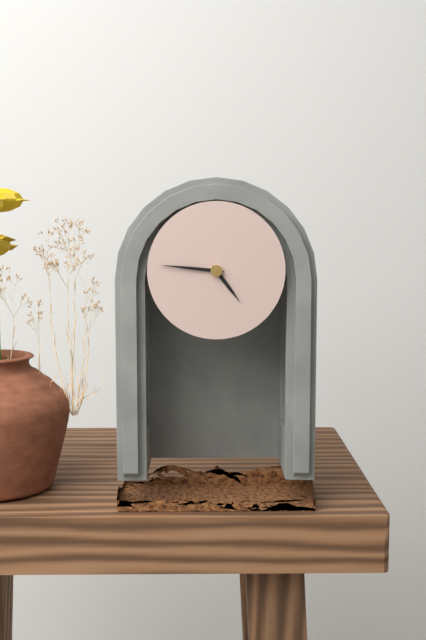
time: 4:46
